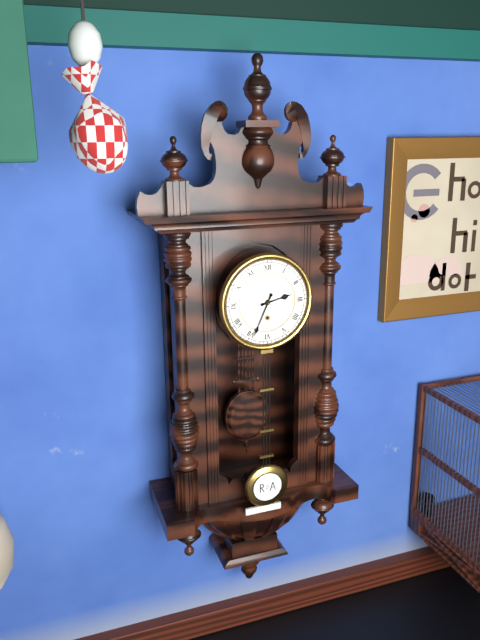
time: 2:34
